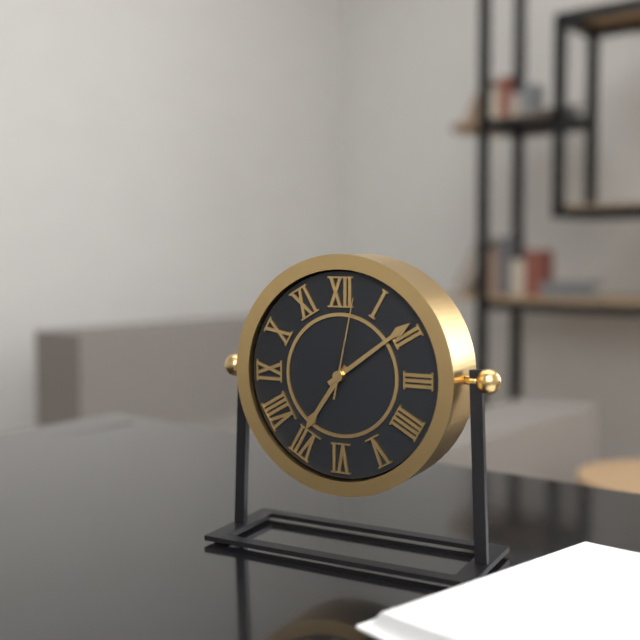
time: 7:09:02
